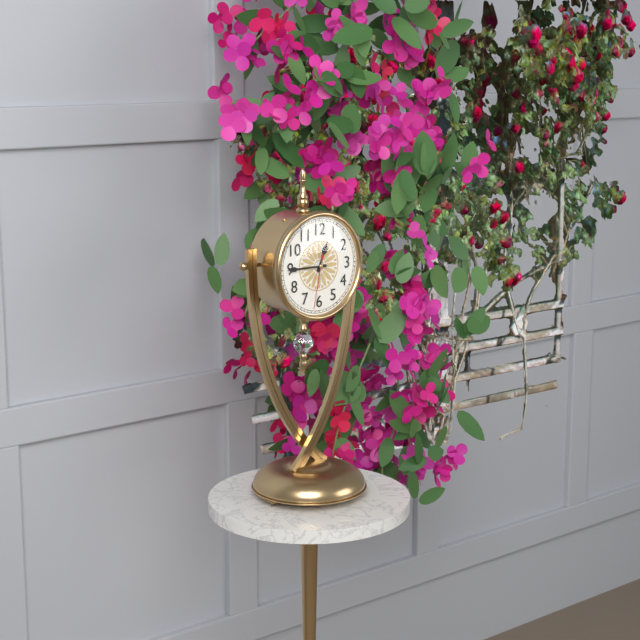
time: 12:45:32
